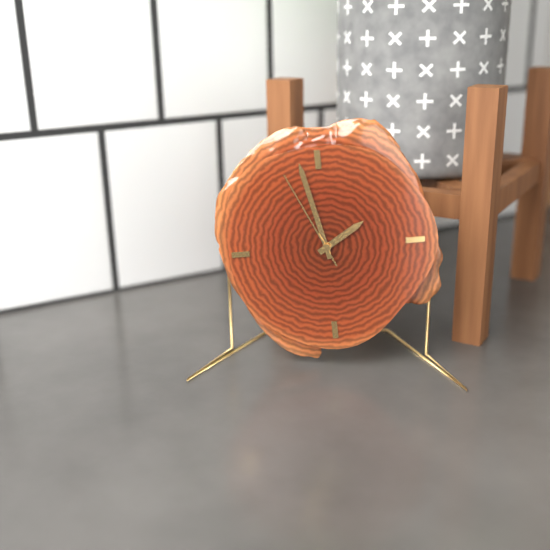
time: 1:58:56
